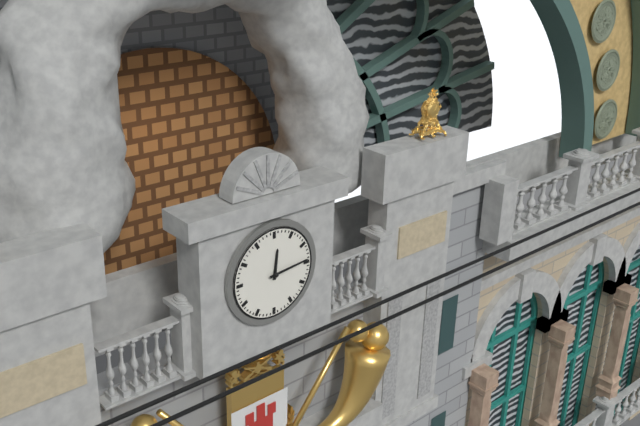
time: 12:14
